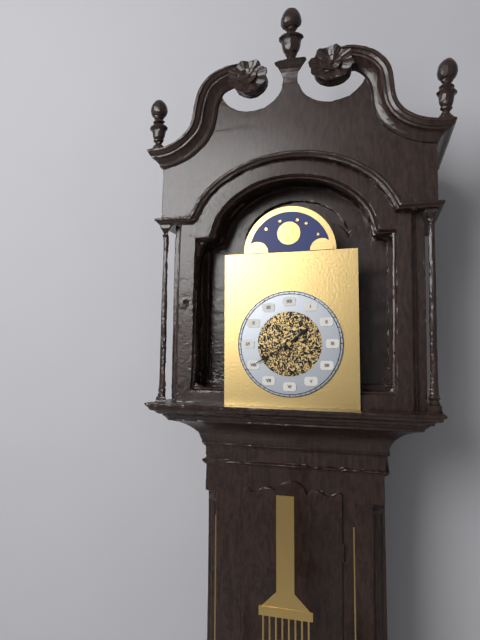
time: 1:40
